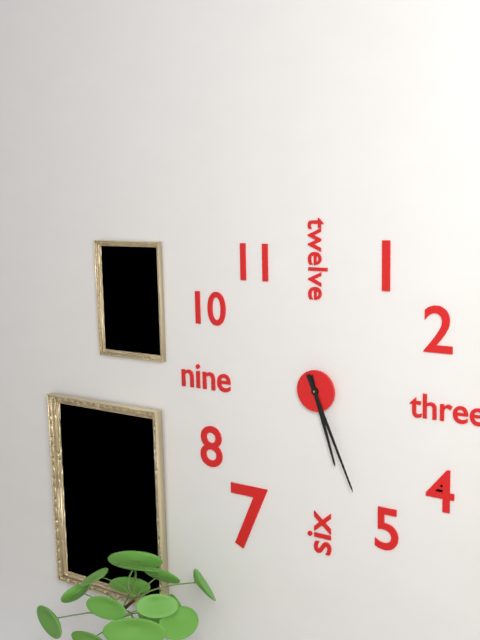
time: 5:26
